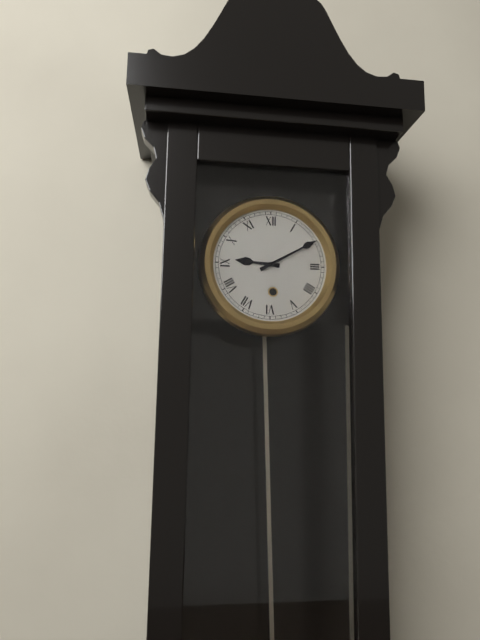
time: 9:10
